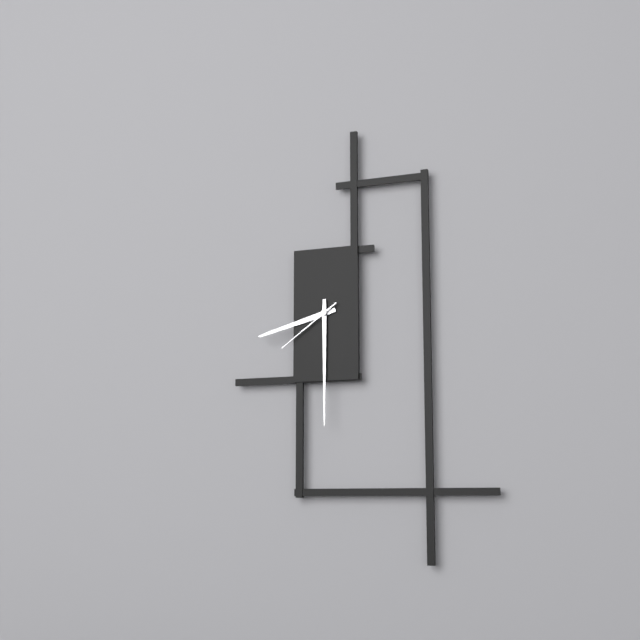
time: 8:30:39
